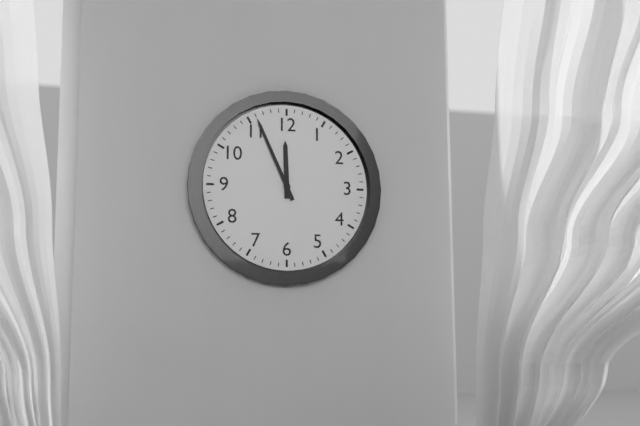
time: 11:56
